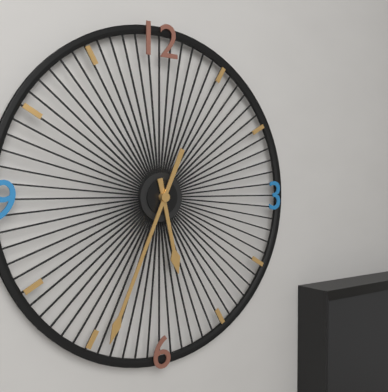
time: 5:34
